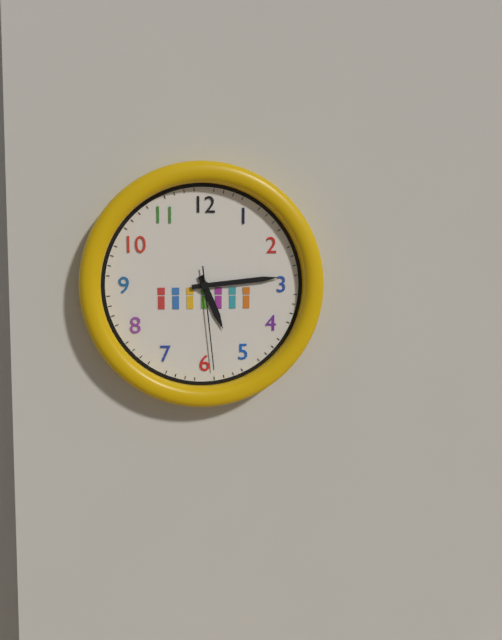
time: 5:14:29
